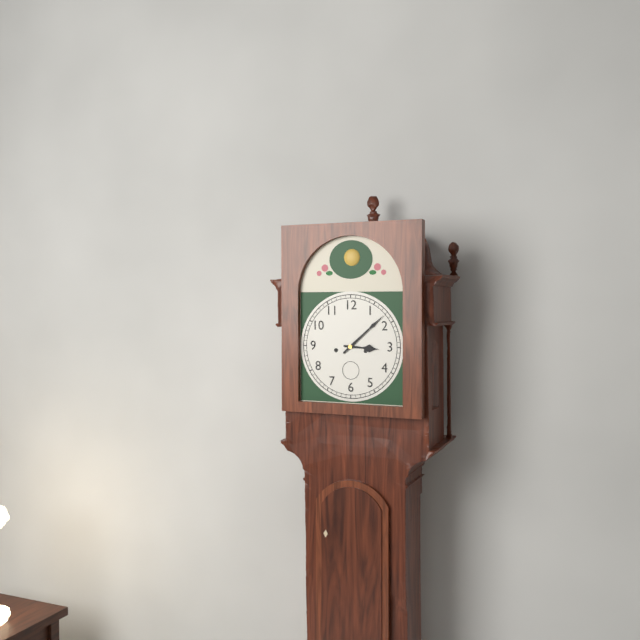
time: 3:08
